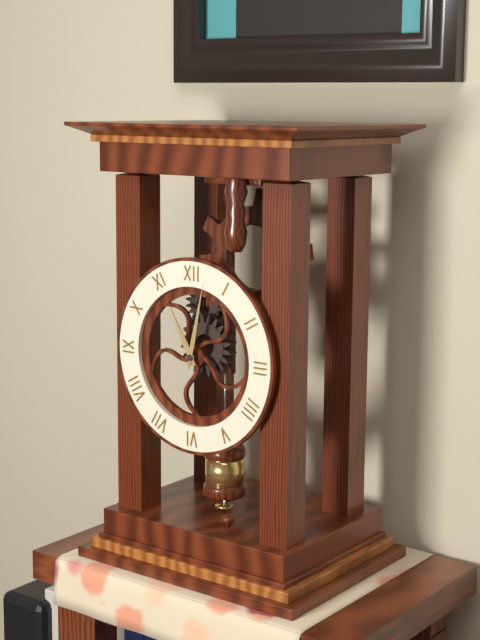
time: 11:02
